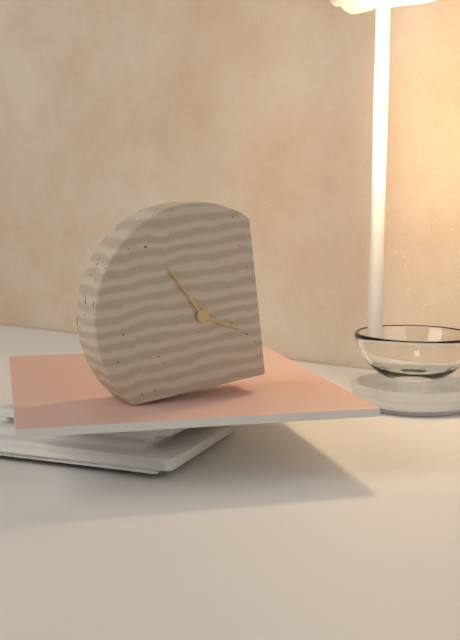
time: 3:55
